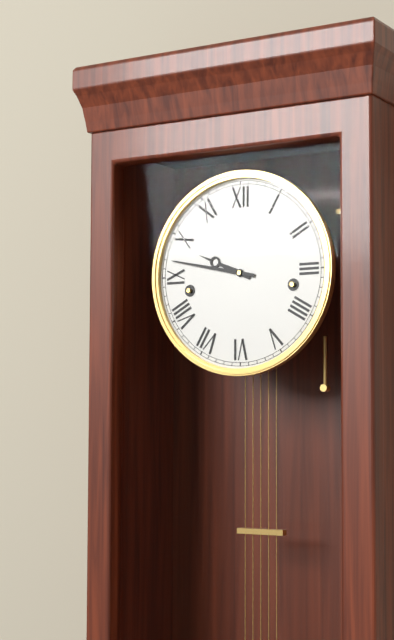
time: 9:47
